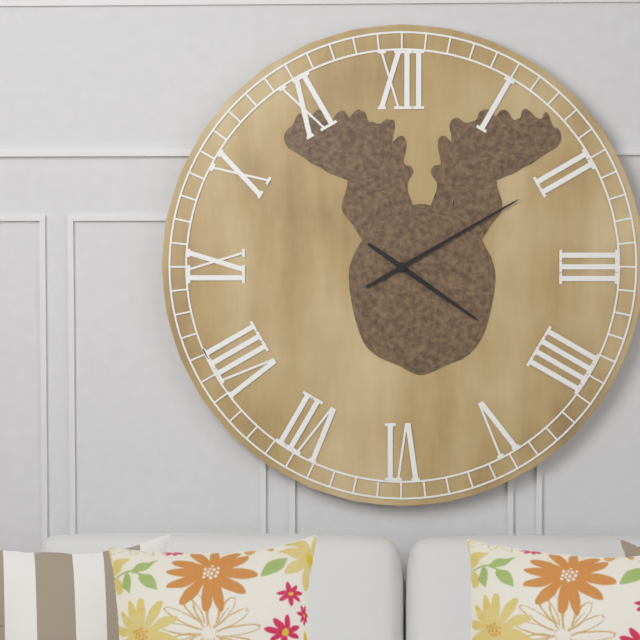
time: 4:10
